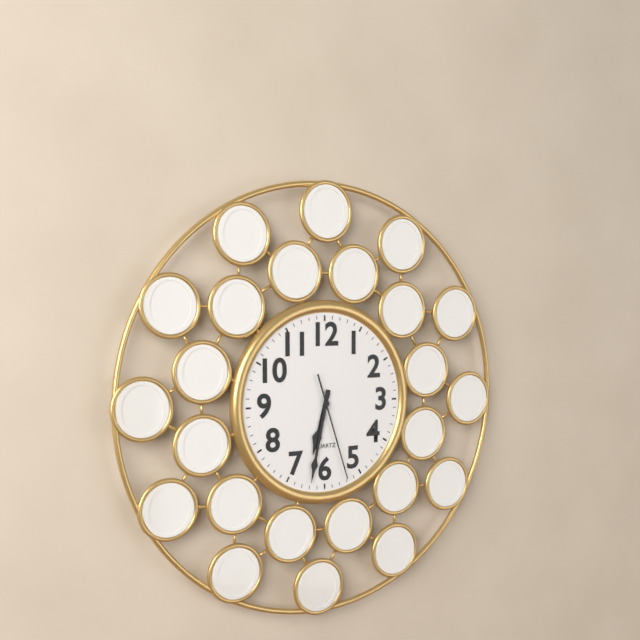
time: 6:32:27
